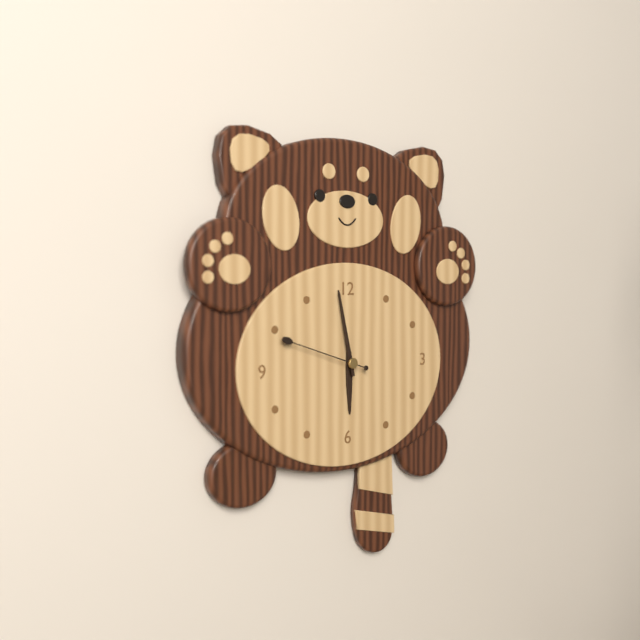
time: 5:58:48
